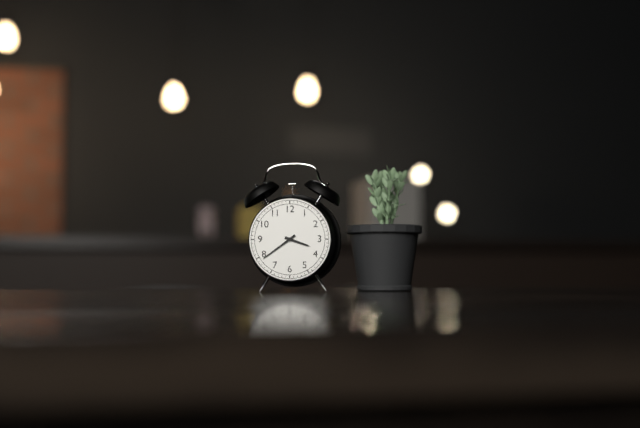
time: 3:39
